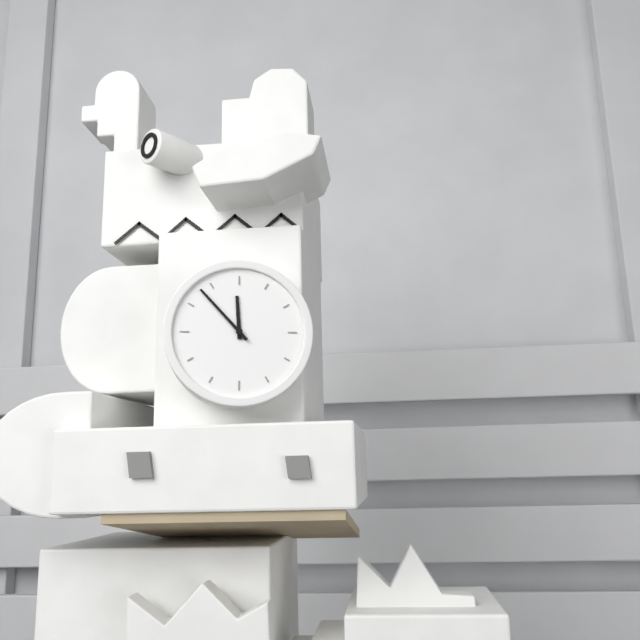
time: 11:53
